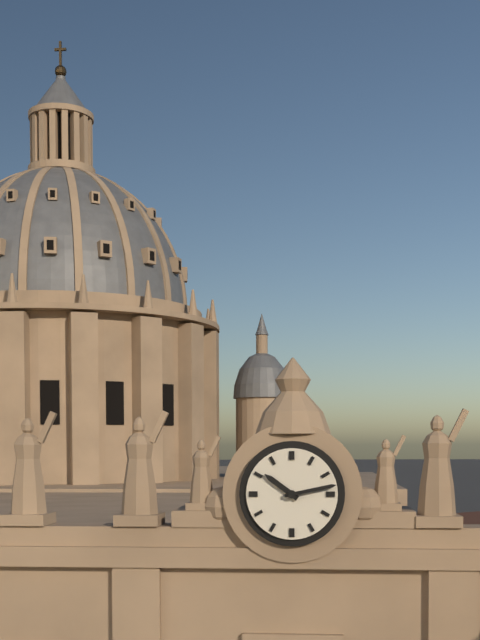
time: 10:13
